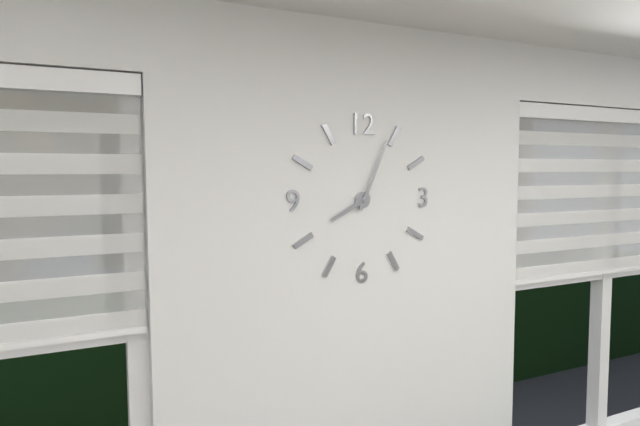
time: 8:04
